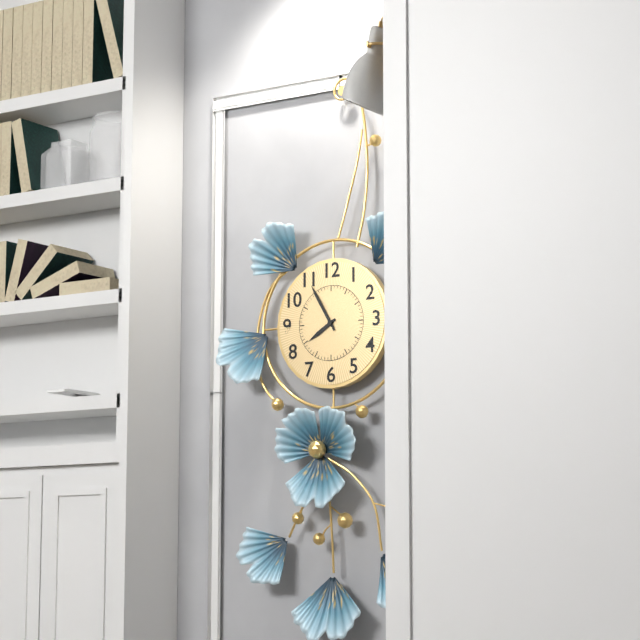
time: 7:55
